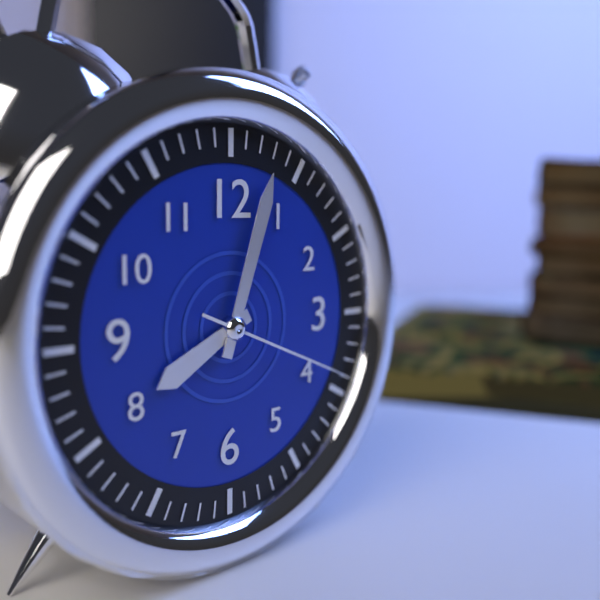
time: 8:03:19
